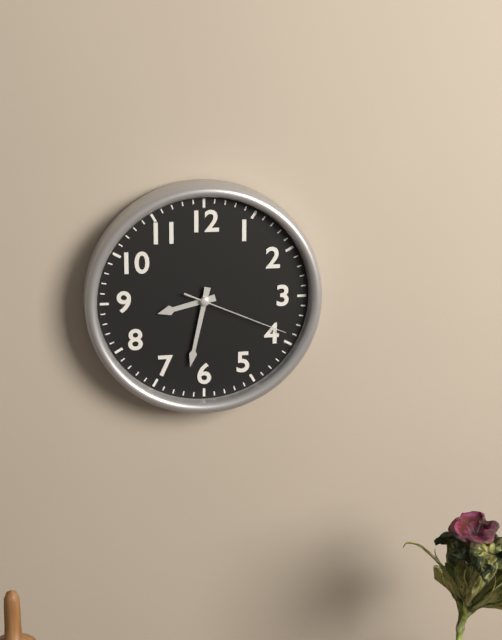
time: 8:32:19
